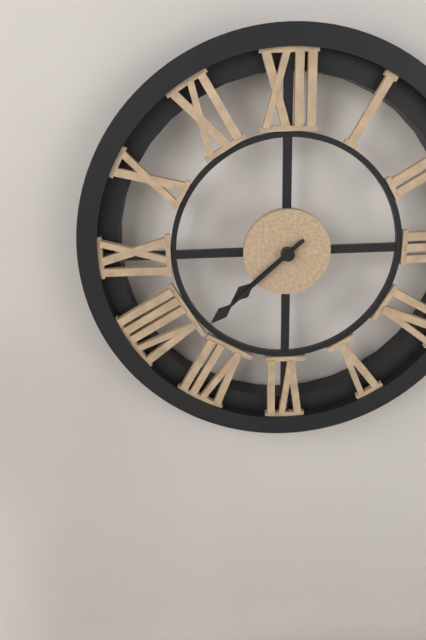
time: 7:38
